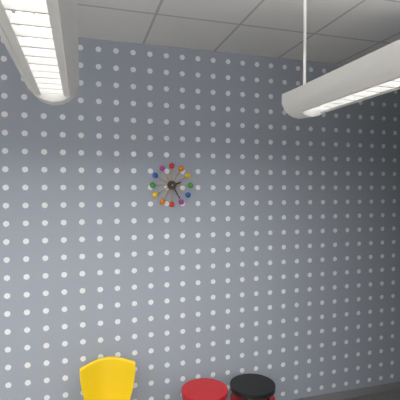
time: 2:25
